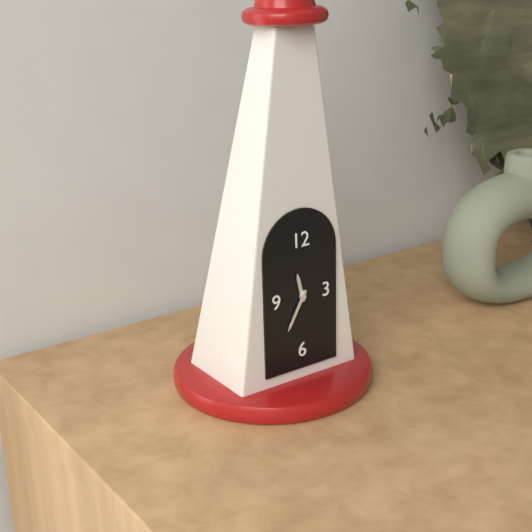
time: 11:35
